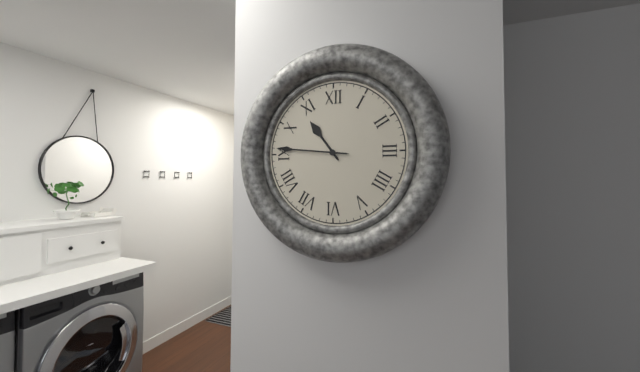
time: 10:46
